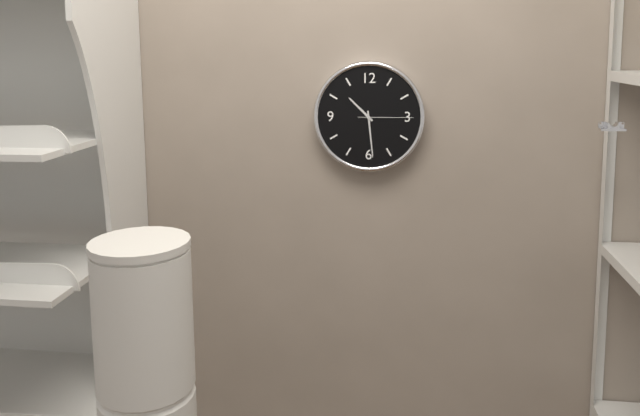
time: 10:29:15
